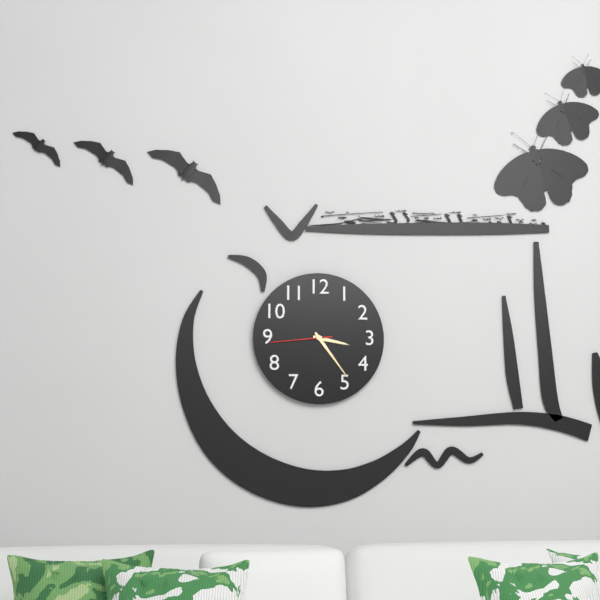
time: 3:24:44
